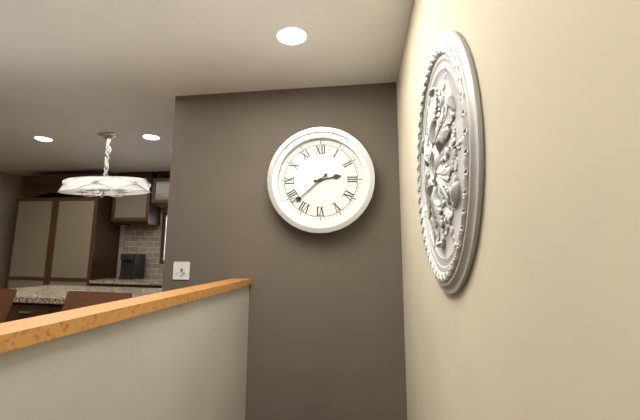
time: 2:38
